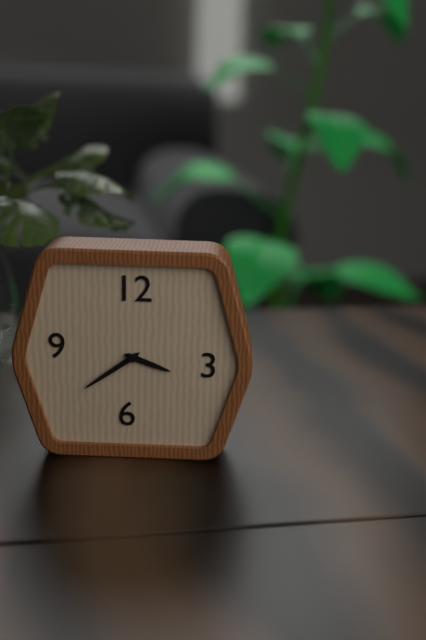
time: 3:39
